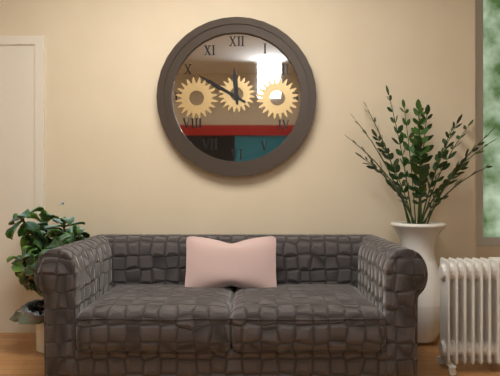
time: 11:50
